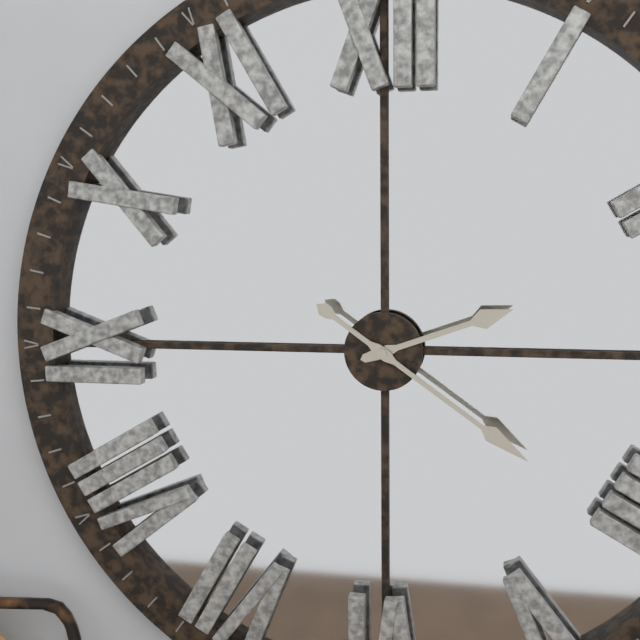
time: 2:21
